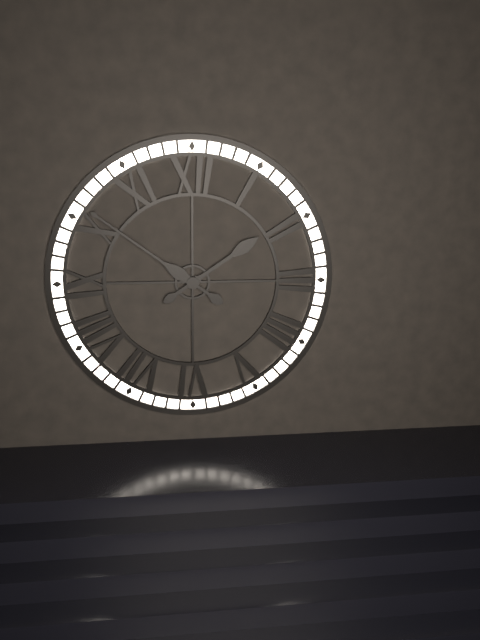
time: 1:51
